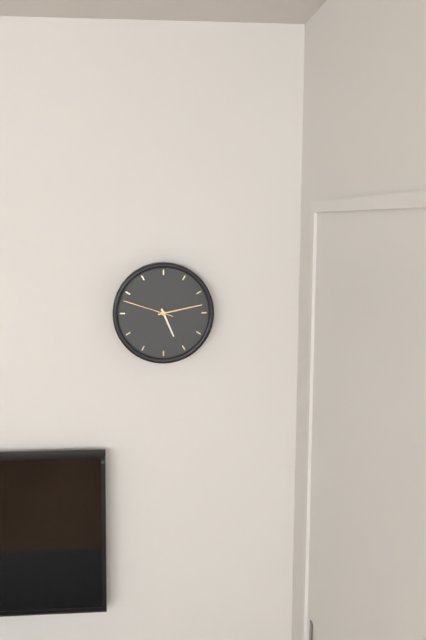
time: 5:13:48
